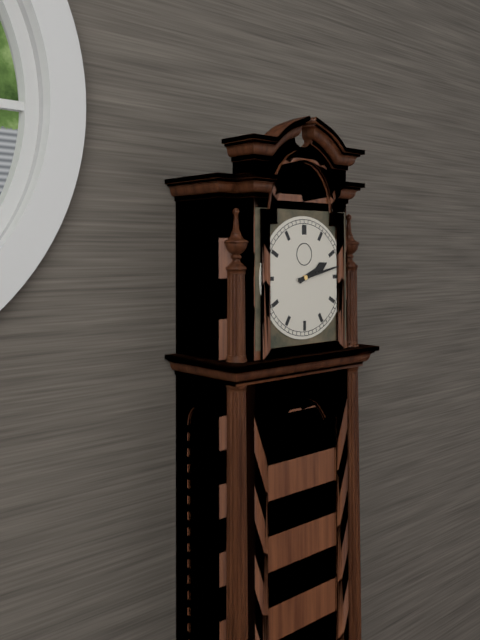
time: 2:13
